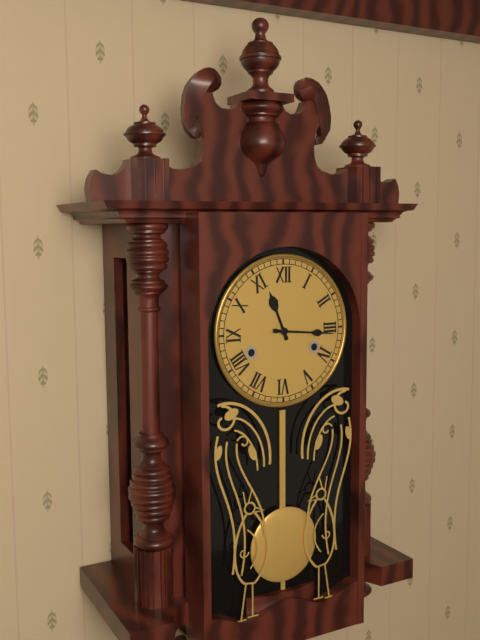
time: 11:16
